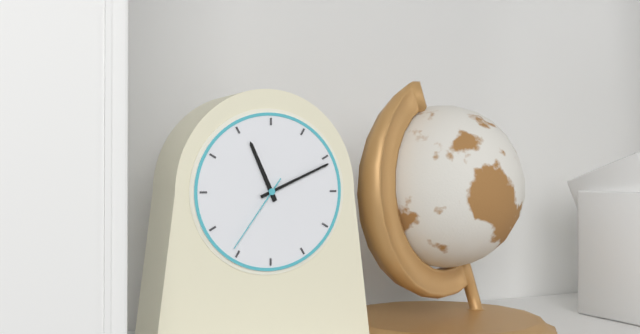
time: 11:11:36
